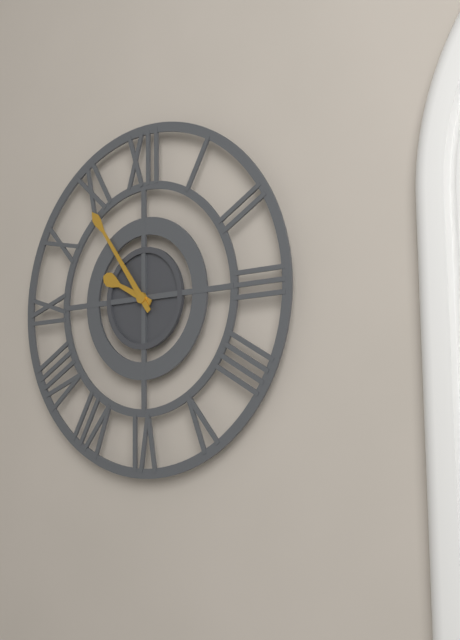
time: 9:54
